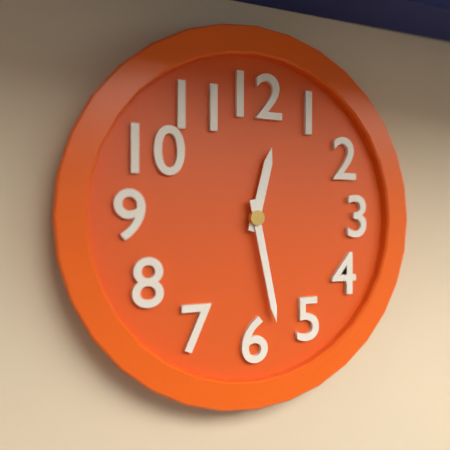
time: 12:28
